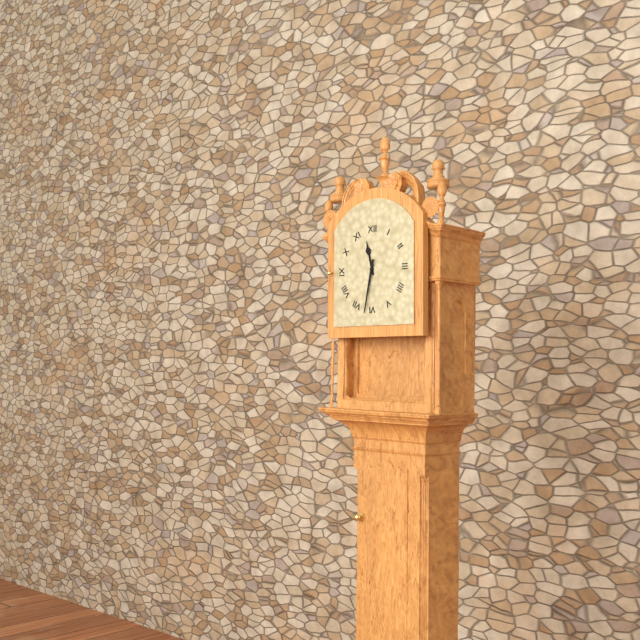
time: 11:32
